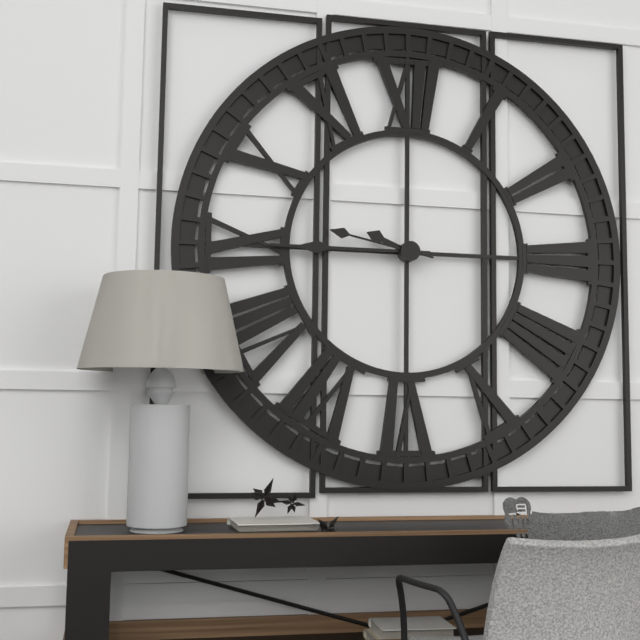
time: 9:45:47
